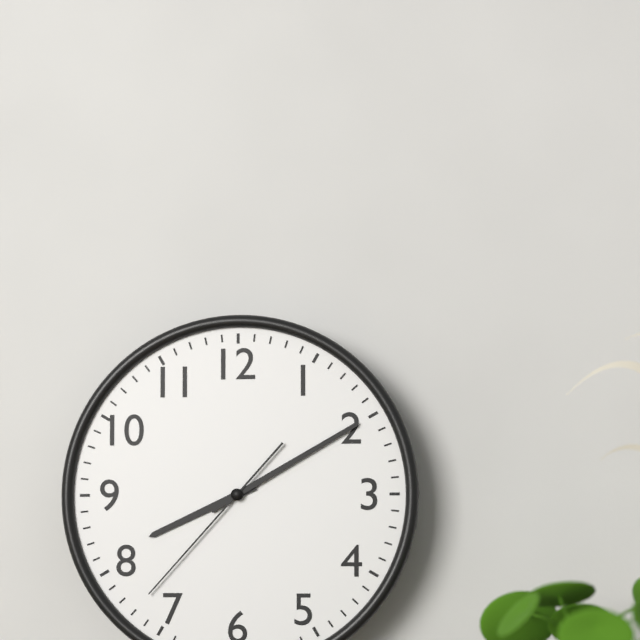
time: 8:10:37
